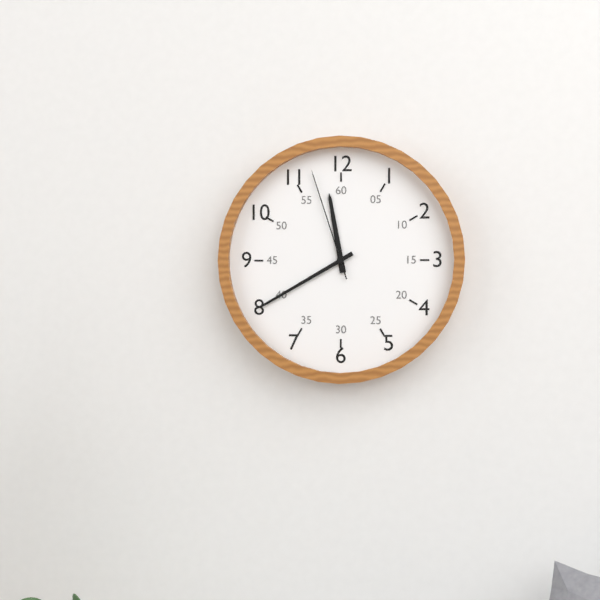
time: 11:40:57
